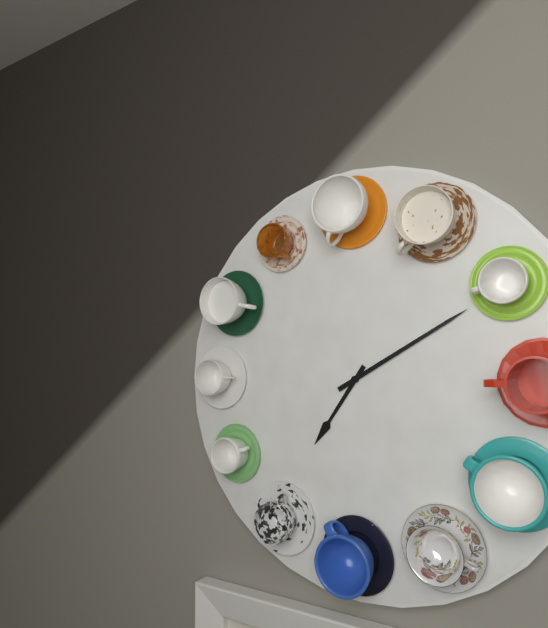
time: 7:10
